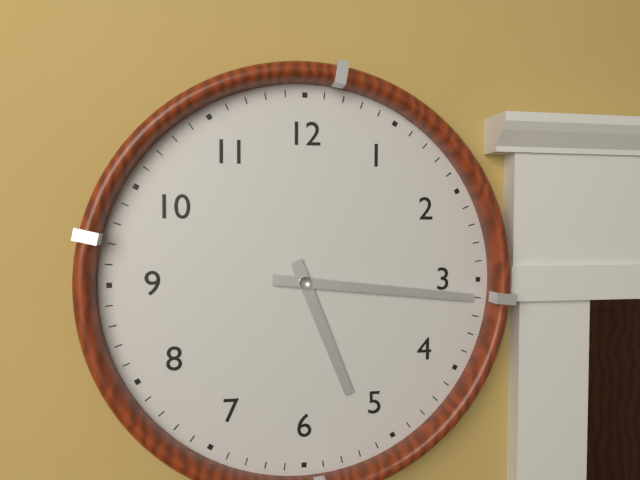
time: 5:16
